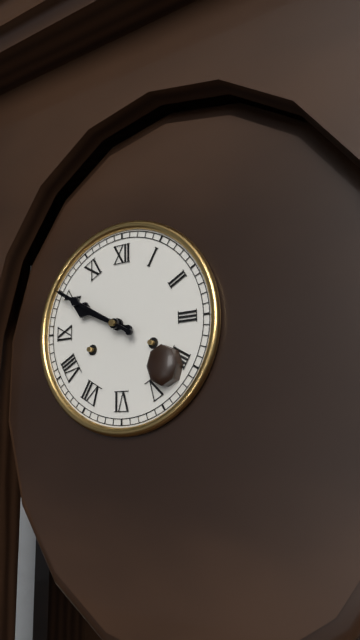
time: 9:50
